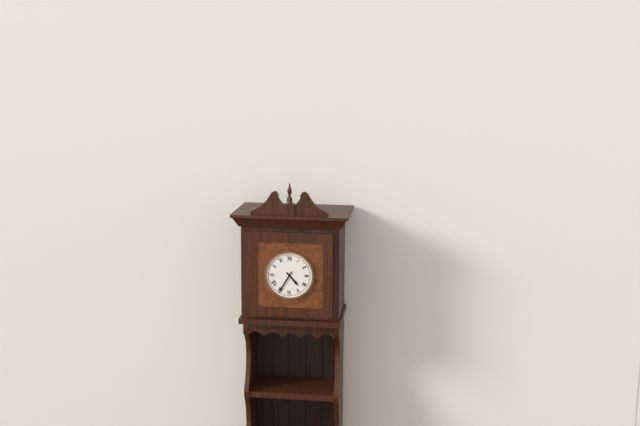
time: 4:35
